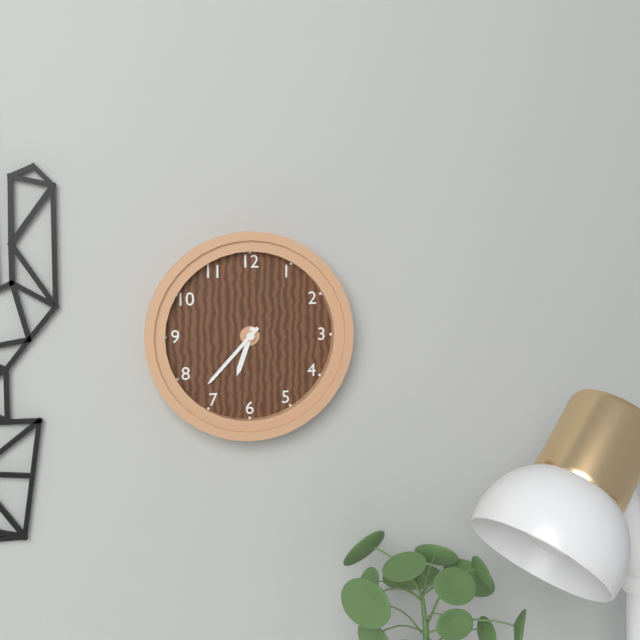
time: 6:37
